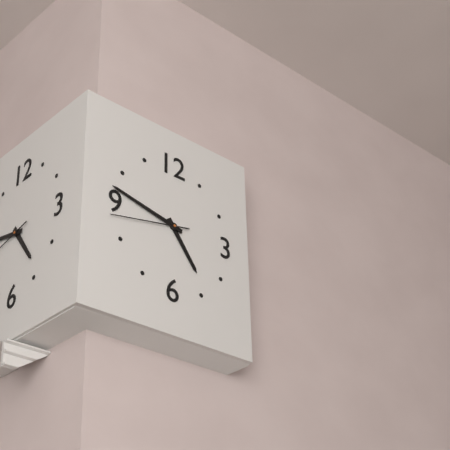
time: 4:47:43
